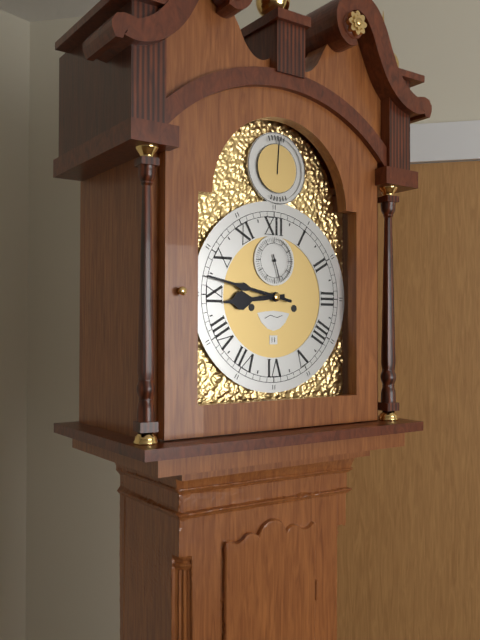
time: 8:47
